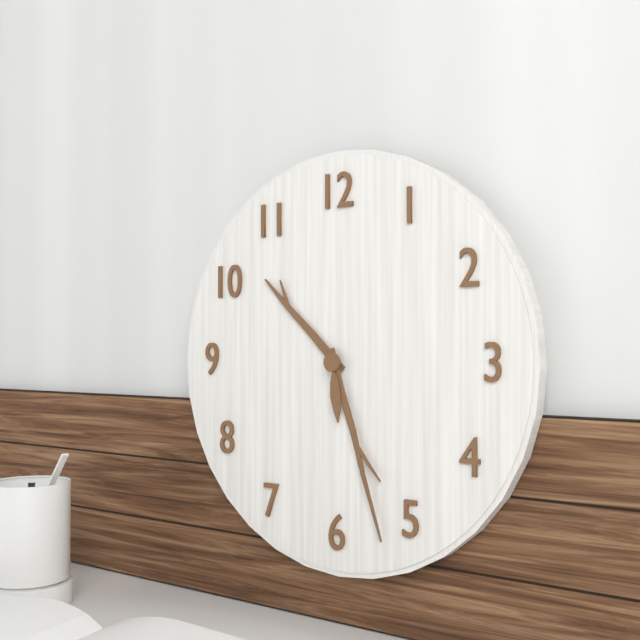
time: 10:27:29
